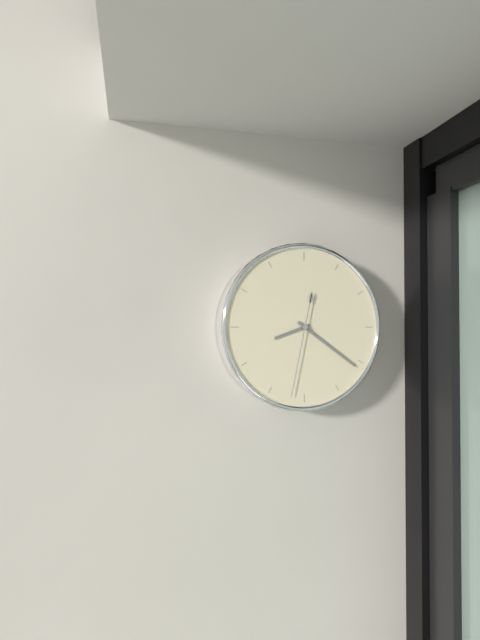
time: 8:21:32
